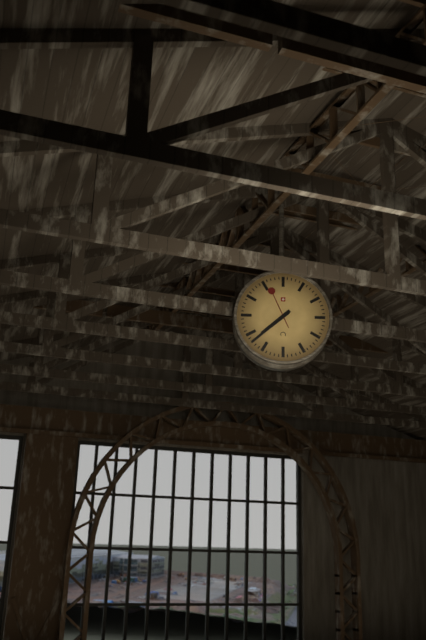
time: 7:38
